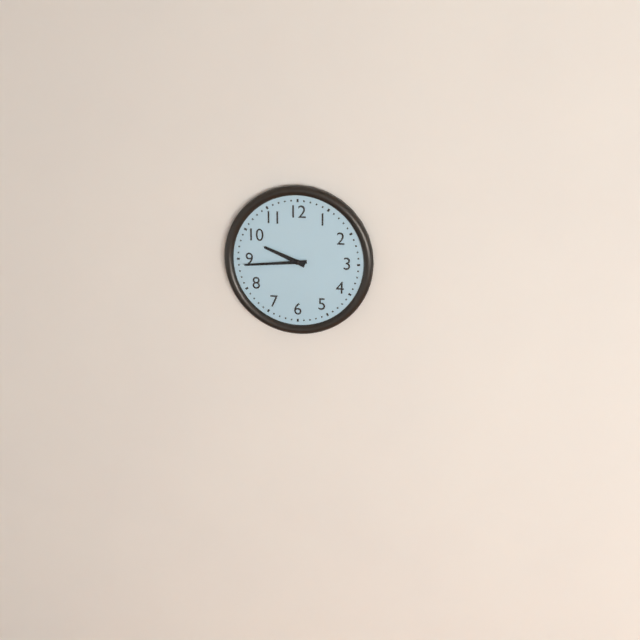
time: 9:44
